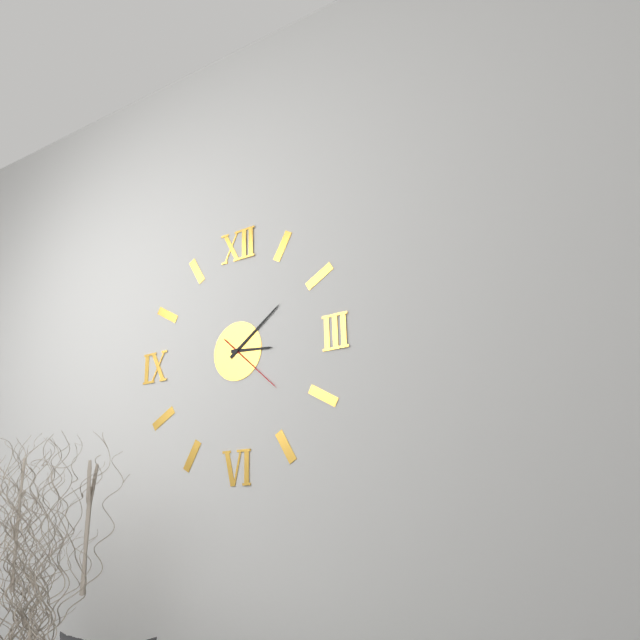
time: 3:09:22
